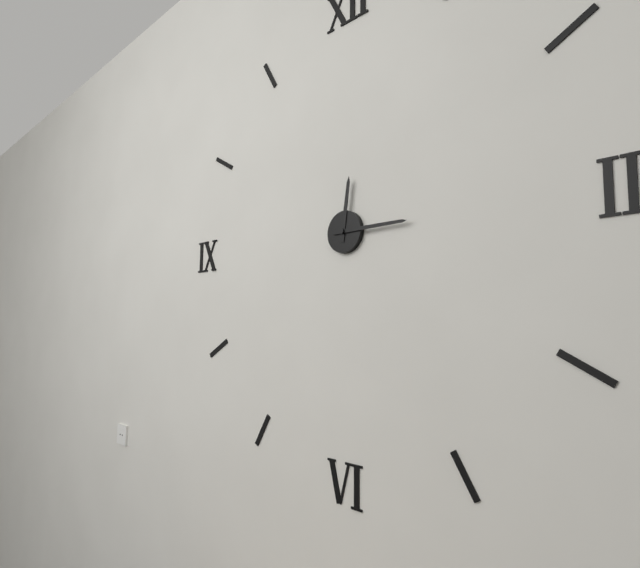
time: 12:15
